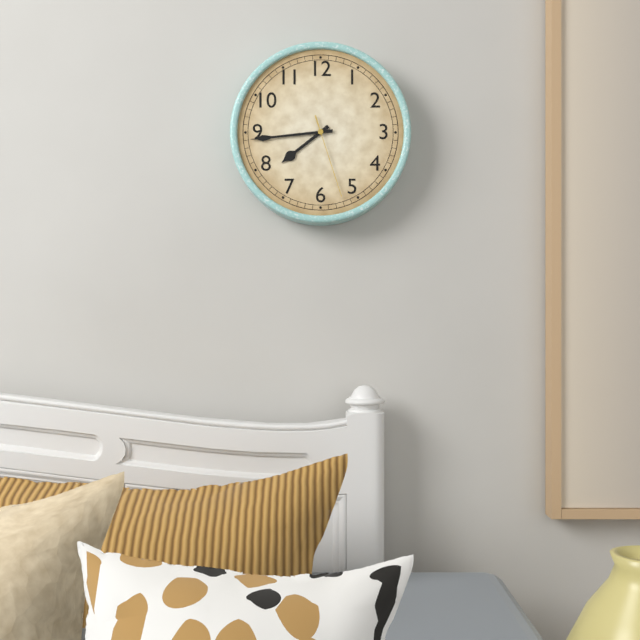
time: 7:44:27
